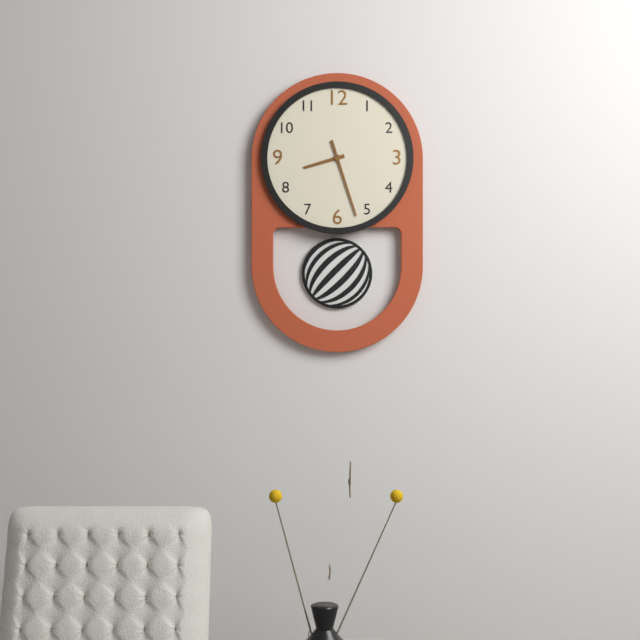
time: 8:27
